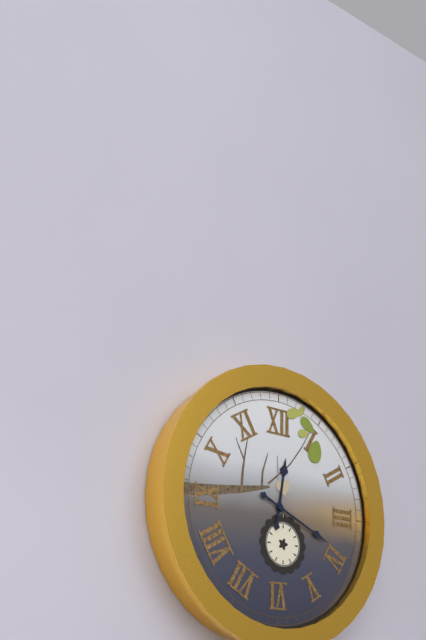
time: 12:19
